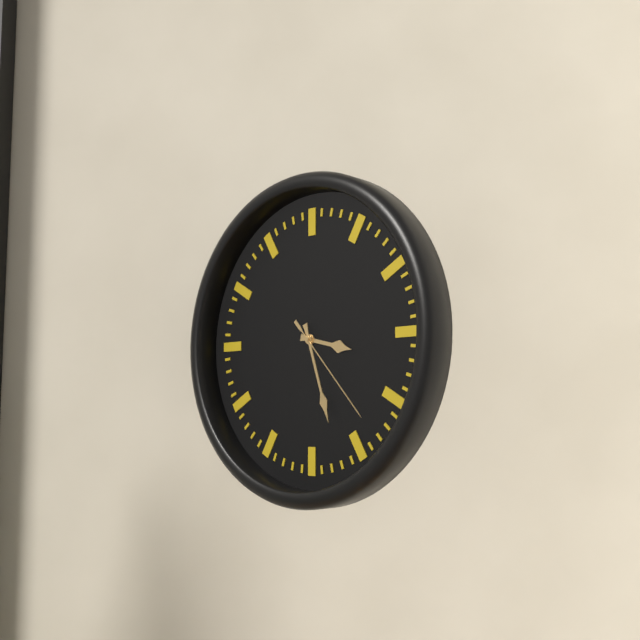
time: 3:27:23
